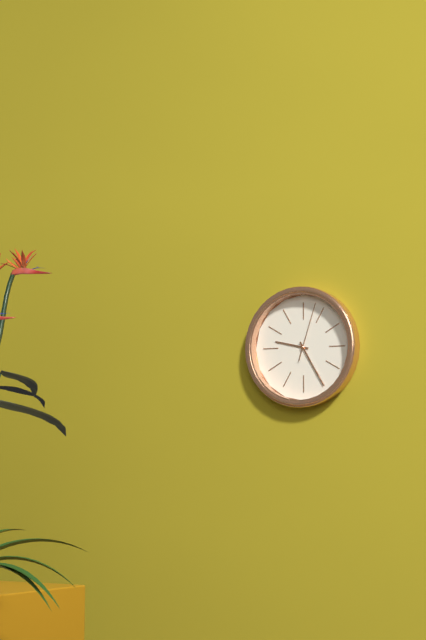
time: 9:25:03
